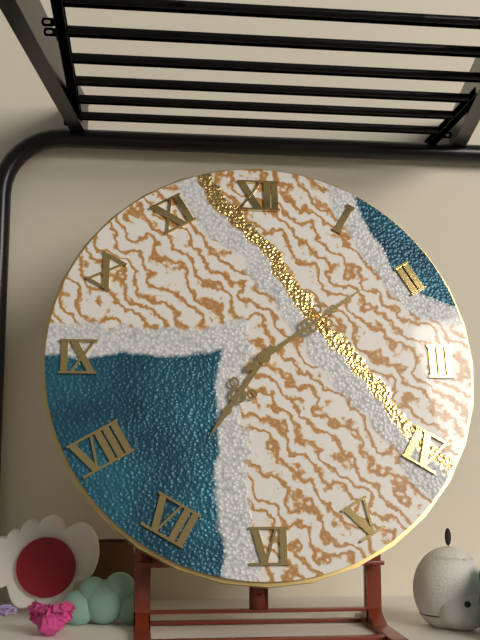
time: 7:09
